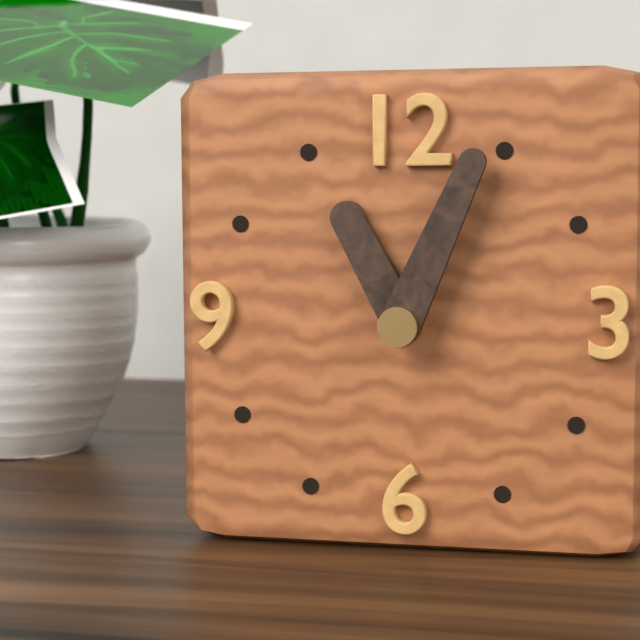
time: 11:04
